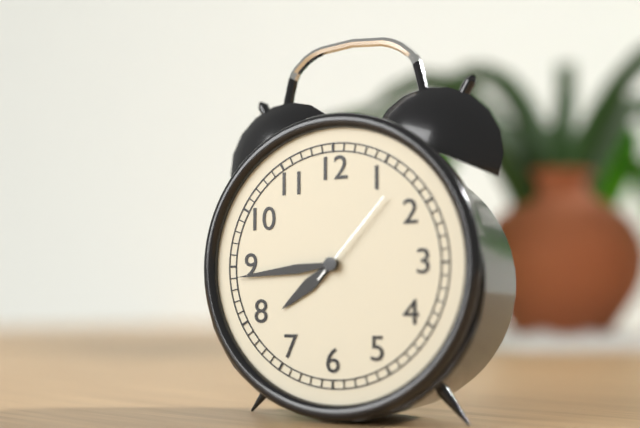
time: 7:44:07
